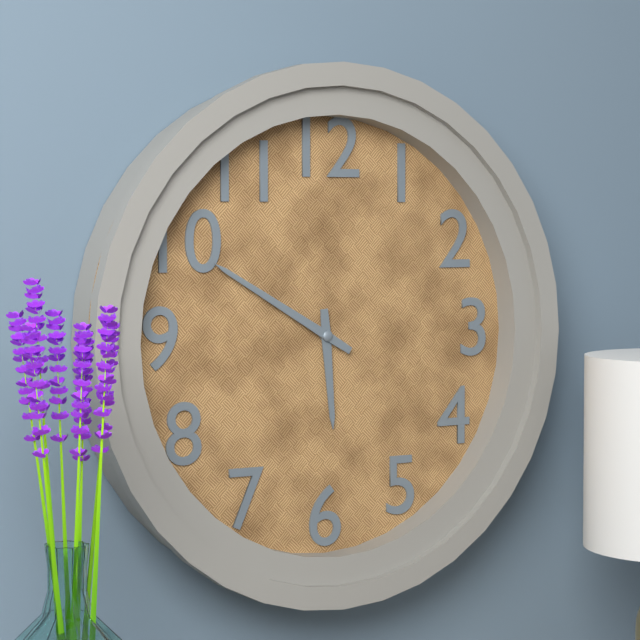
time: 5:50
